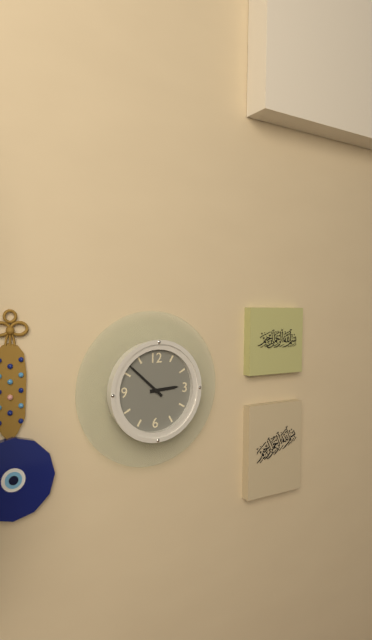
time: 2:52
